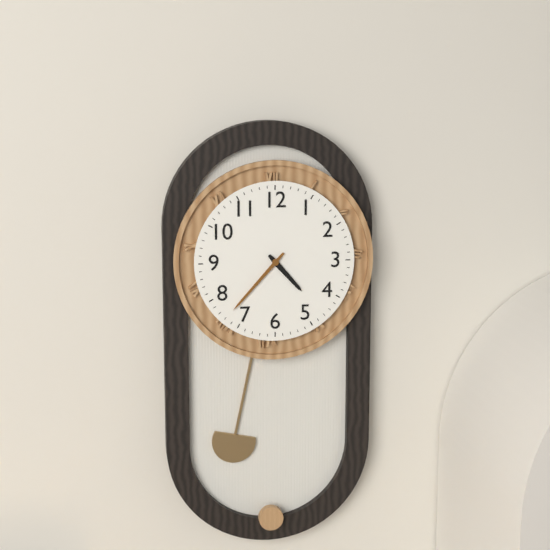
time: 4:37
